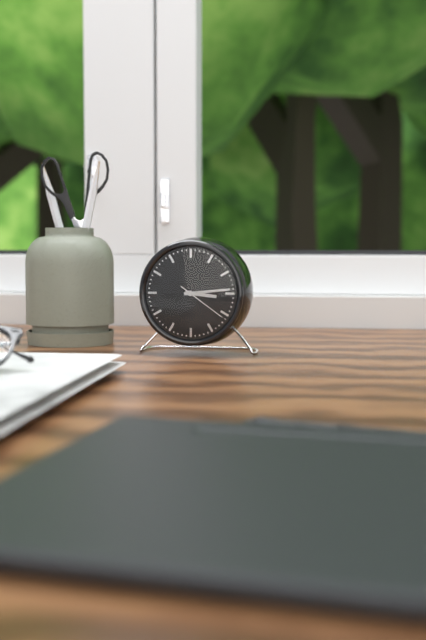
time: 3:14
